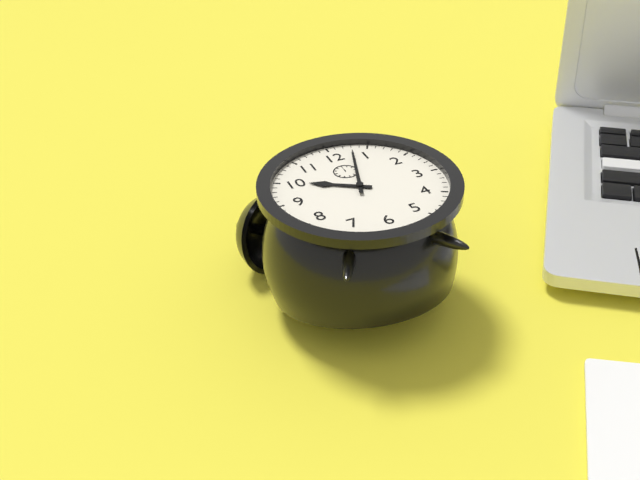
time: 10:03
